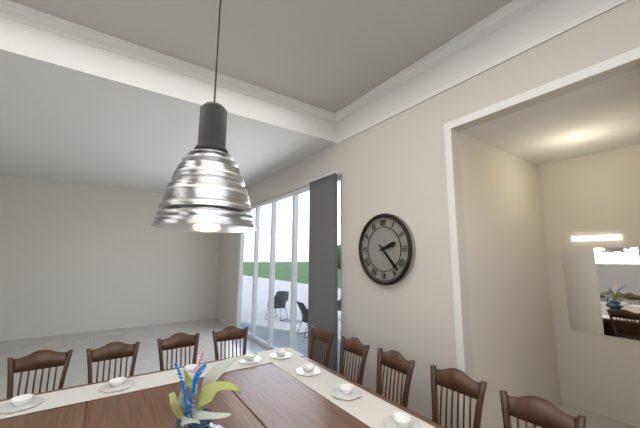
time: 2:23
